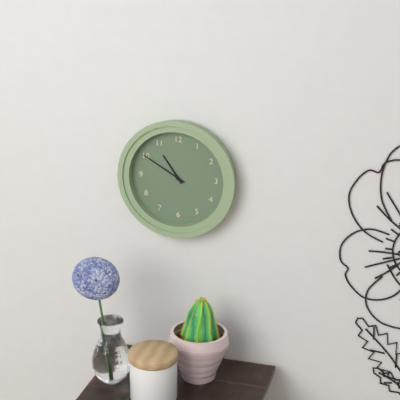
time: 10:50
